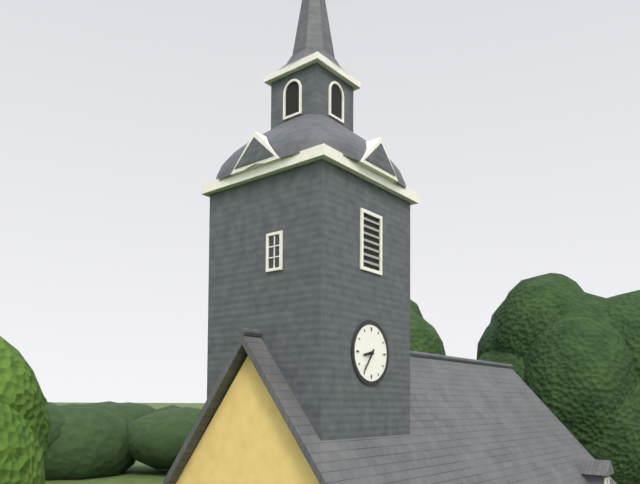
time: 8:36
